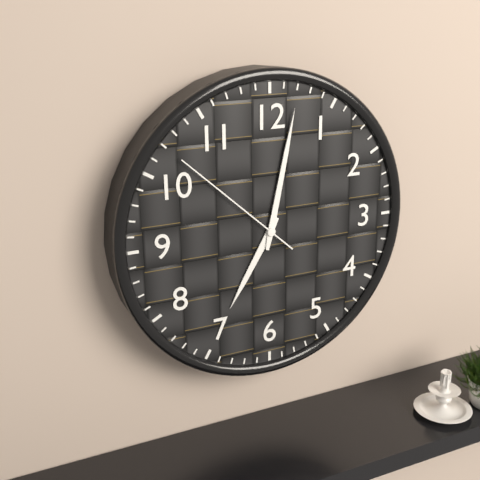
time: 7:02:52
